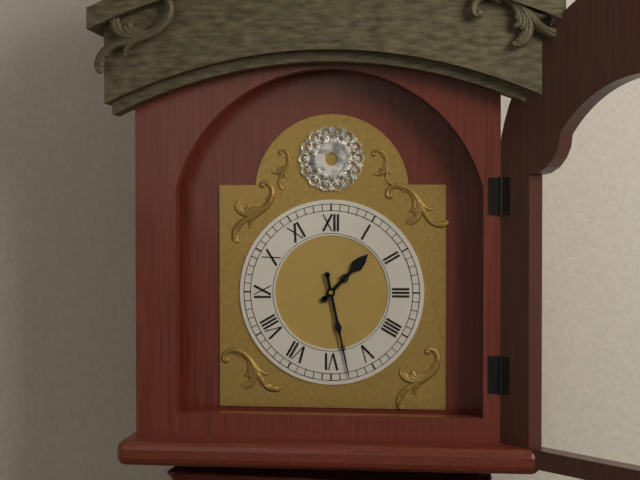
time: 1:28
